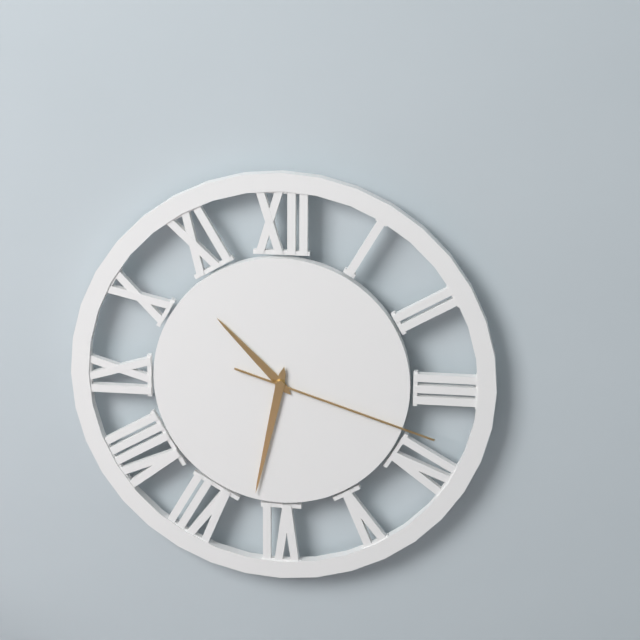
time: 10:32:18
